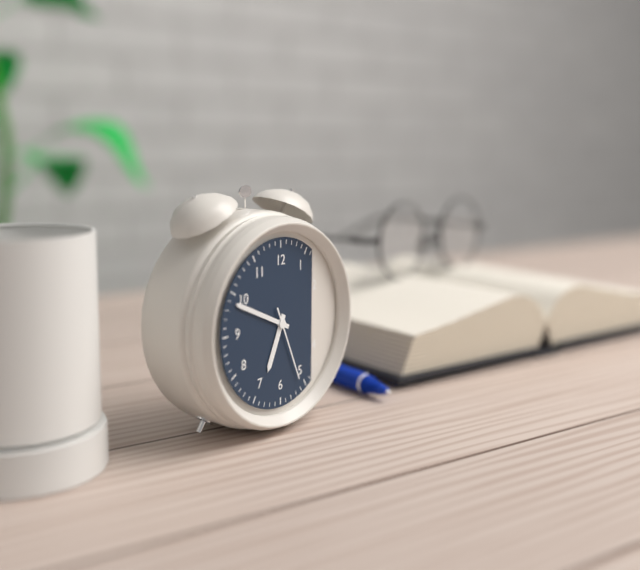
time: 6:49:26
